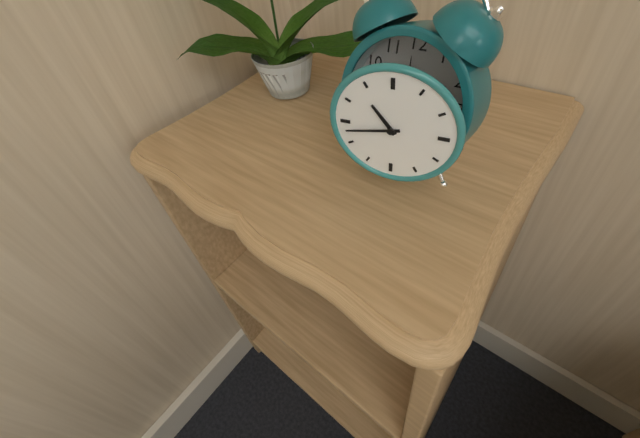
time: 10:43
